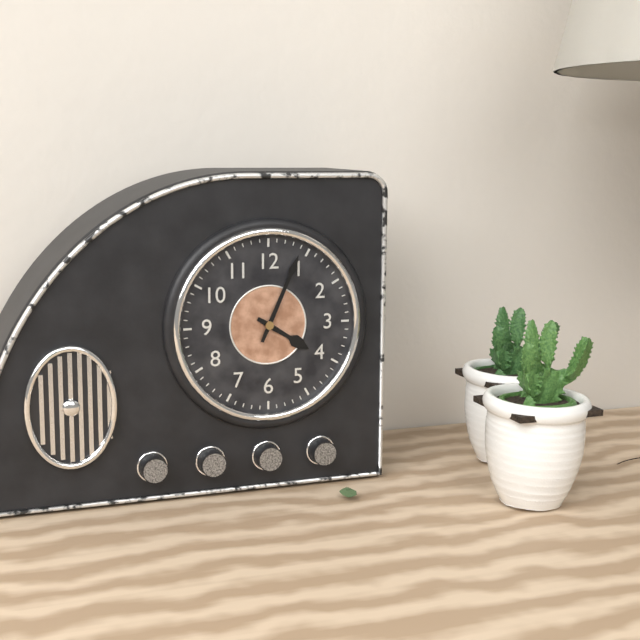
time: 4:04
